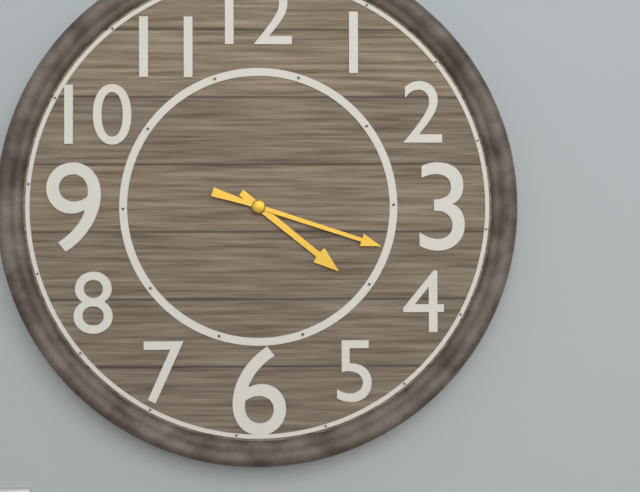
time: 4:18
